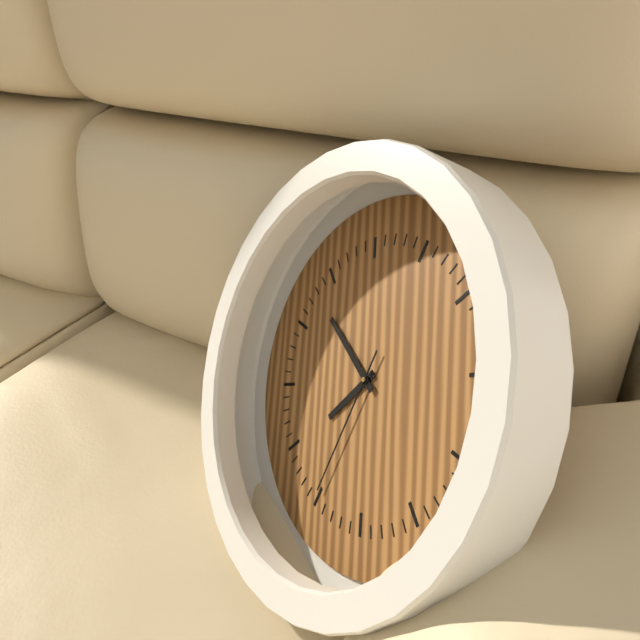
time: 7:53:35
